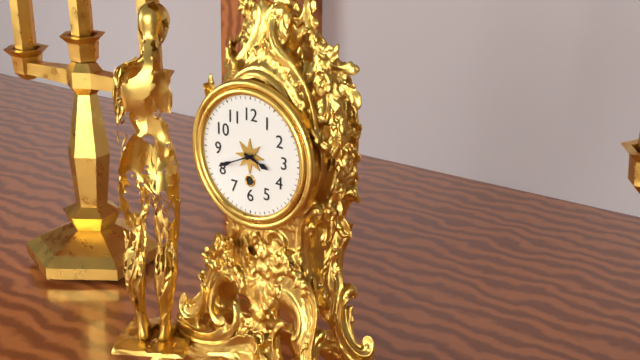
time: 3:41
